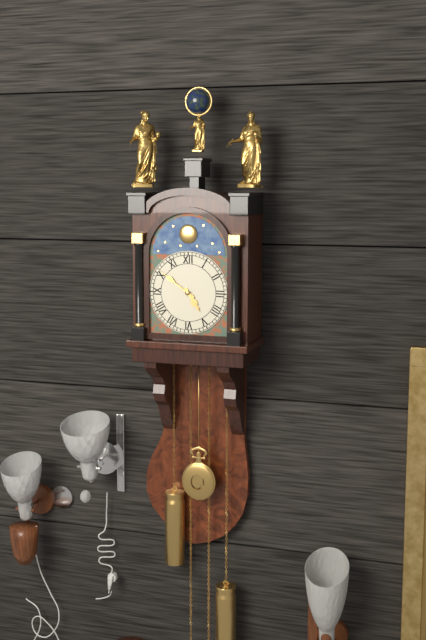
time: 4:51
